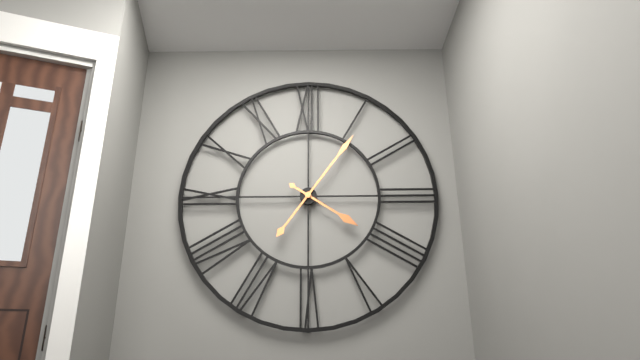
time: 4:06
